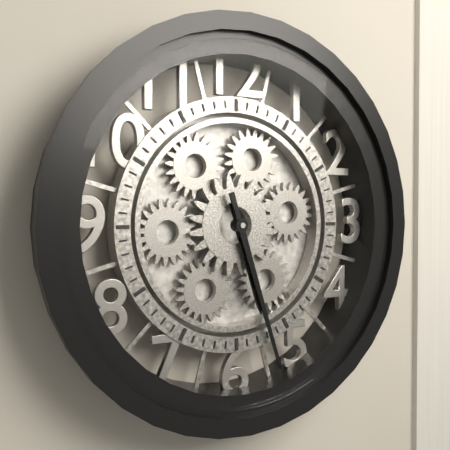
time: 5:27
